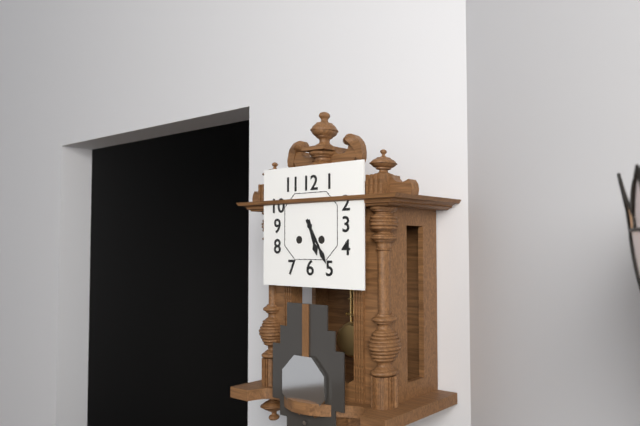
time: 5:25
